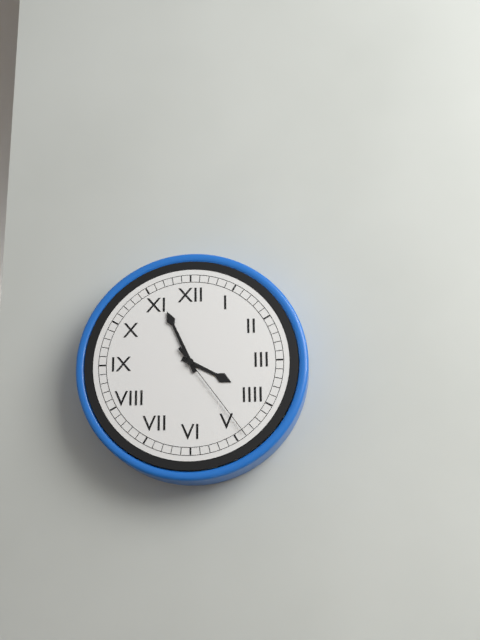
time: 3:56:24
